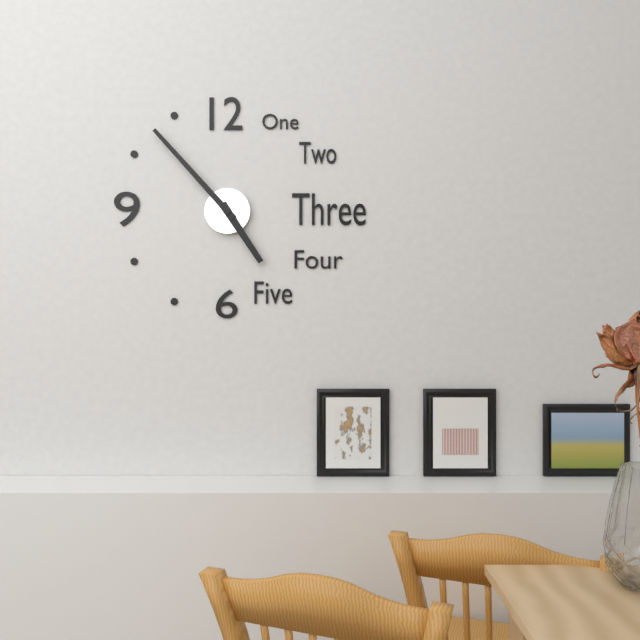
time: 4:53
